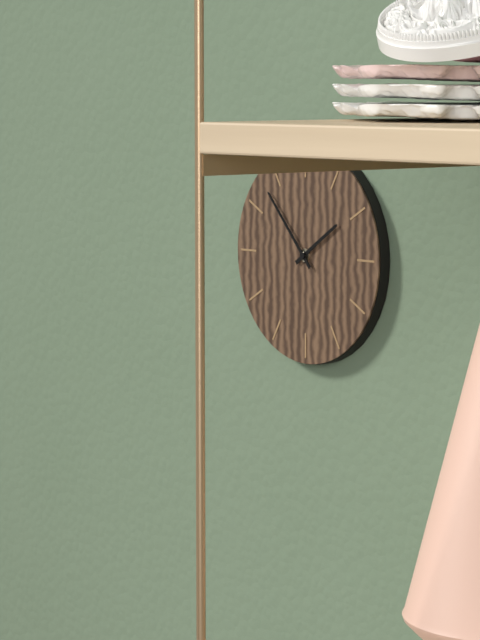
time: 1:53
